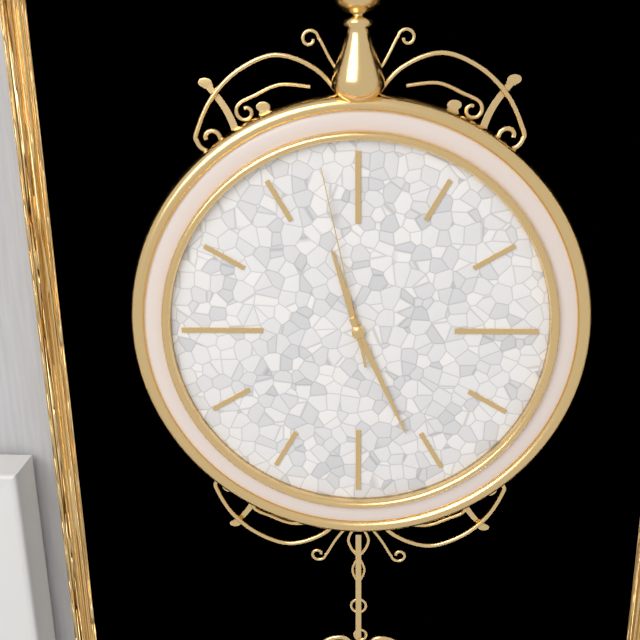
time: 11:26:58
